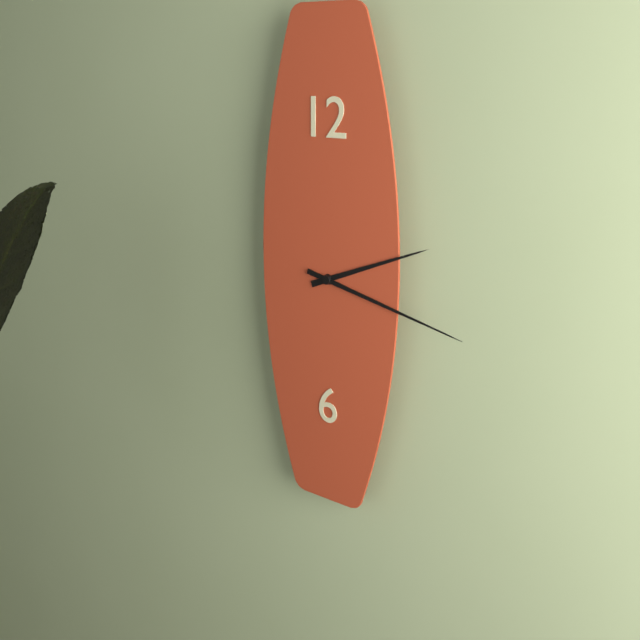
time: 2:17
